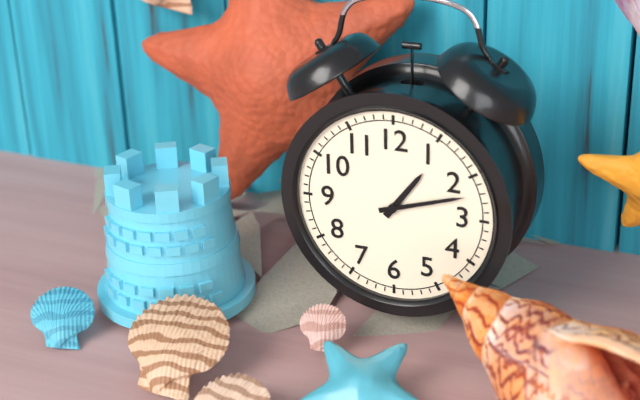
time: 1:12
